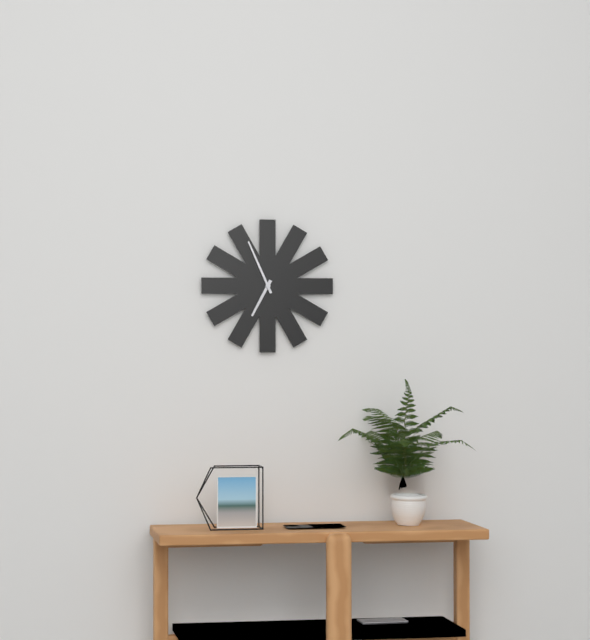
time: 6:56
